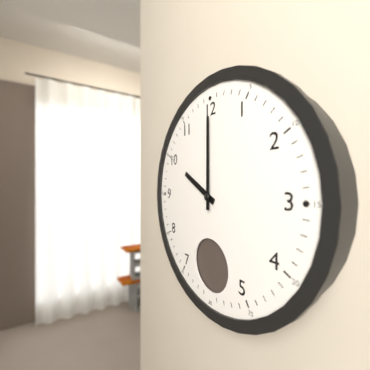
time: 10:00
